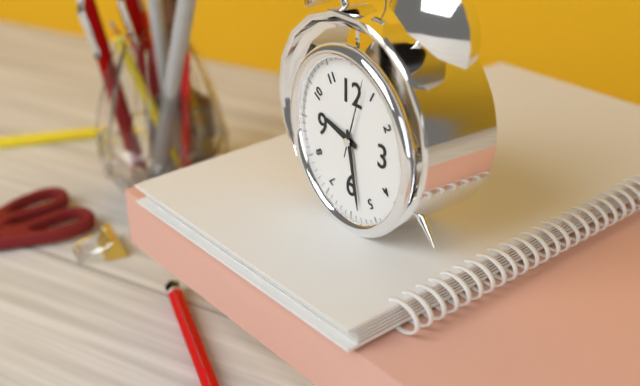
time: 9:28:03
